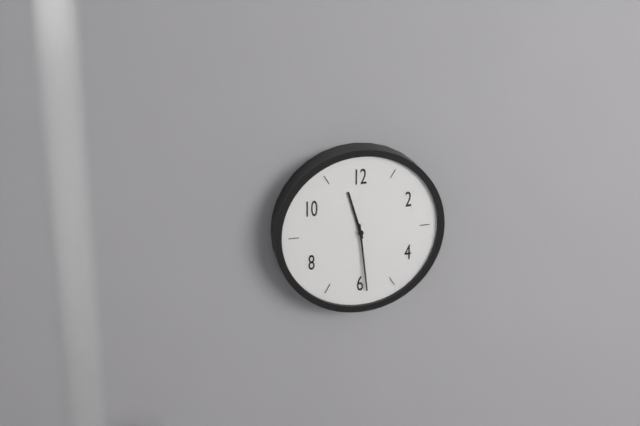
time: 11:29
